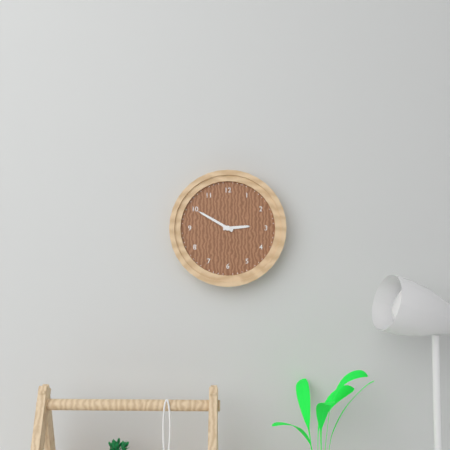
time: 2:50
